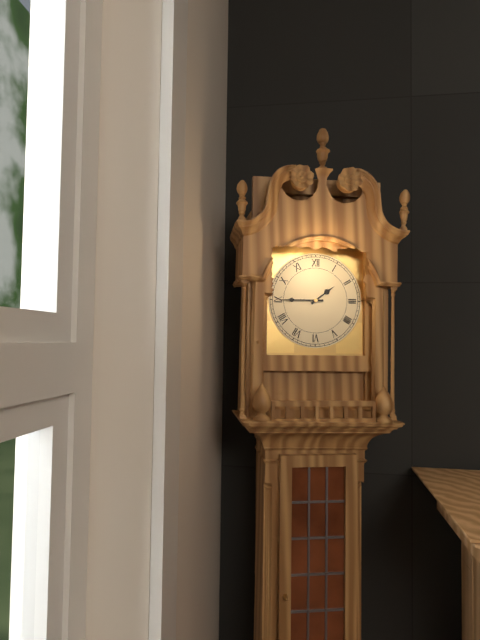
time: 1:45
